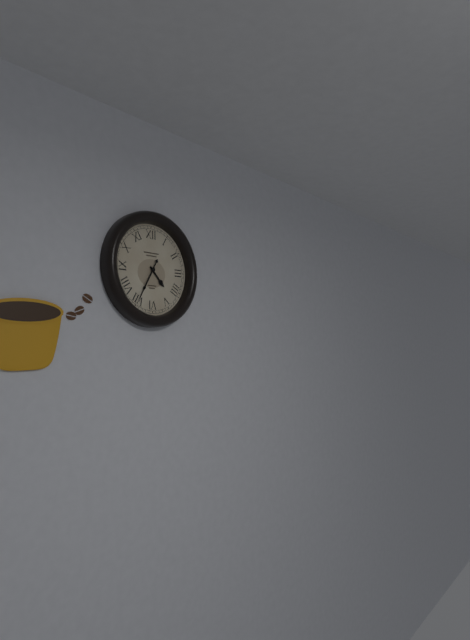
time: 4:35
